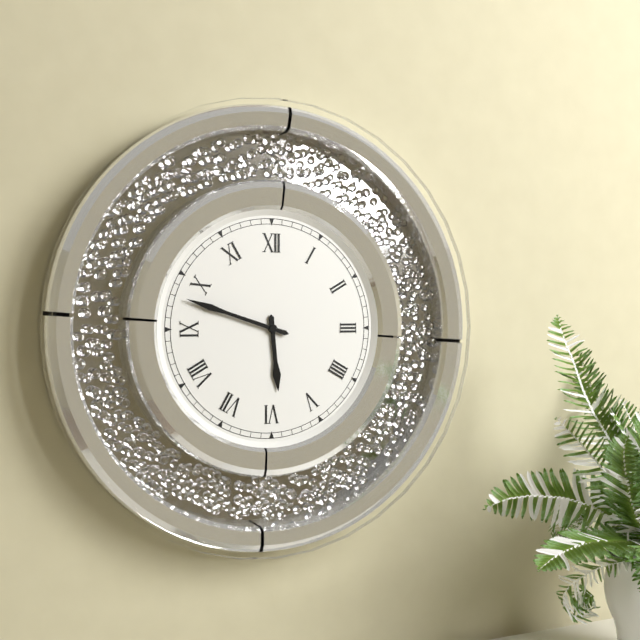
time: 5:48
